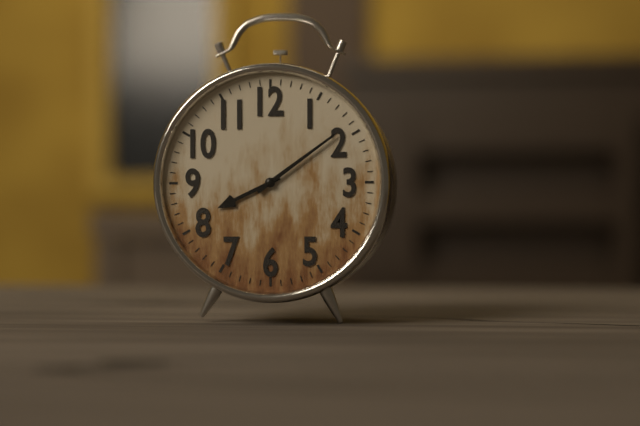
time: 8:09
